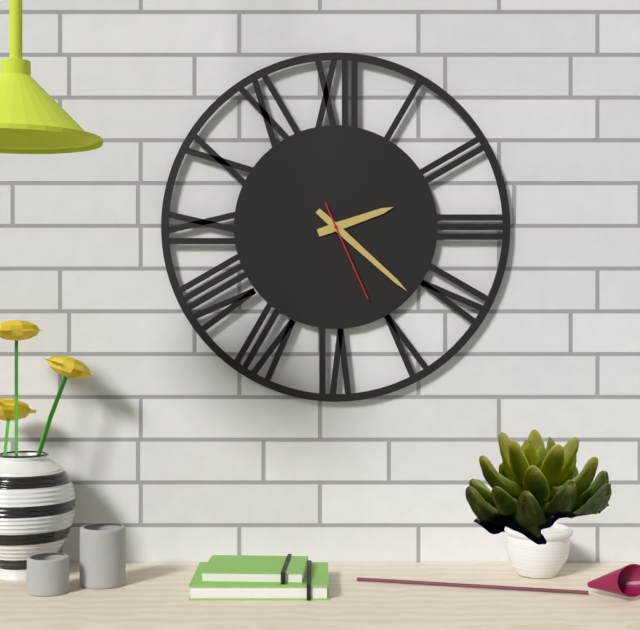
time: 2:22:26
